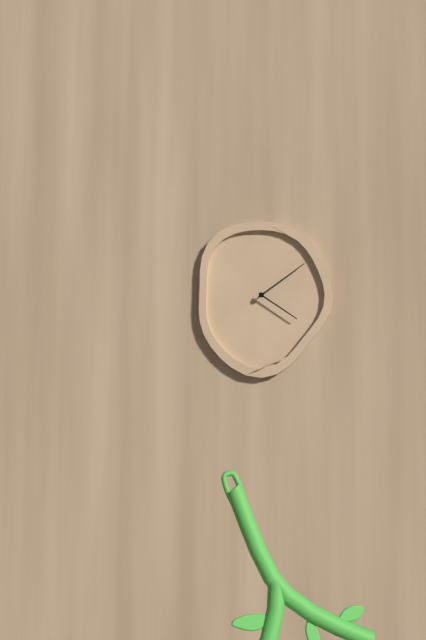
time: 4:09
